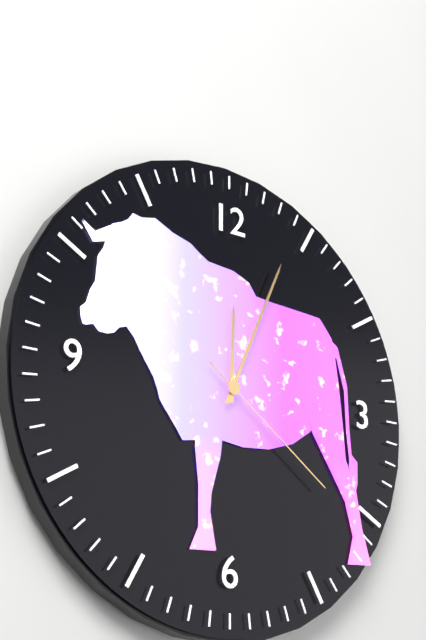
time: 12:04:21
